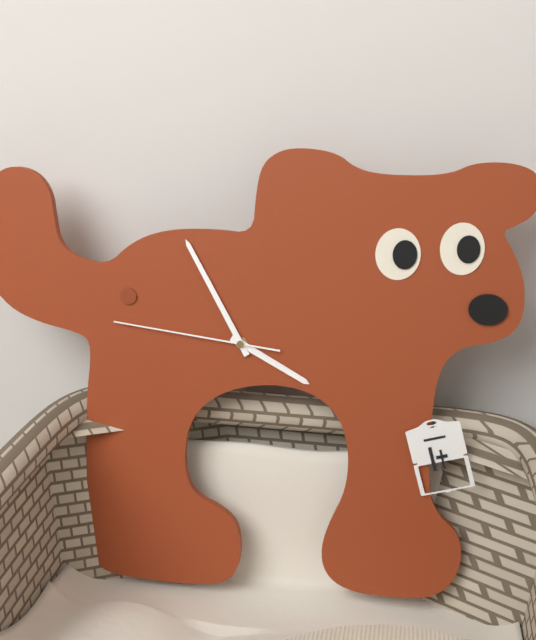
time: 3:55:46
